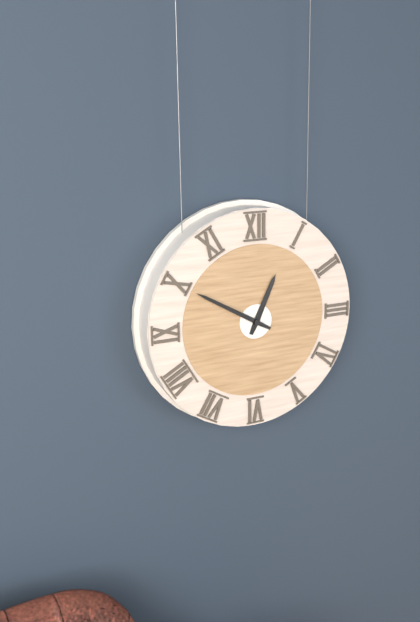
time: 12:50
